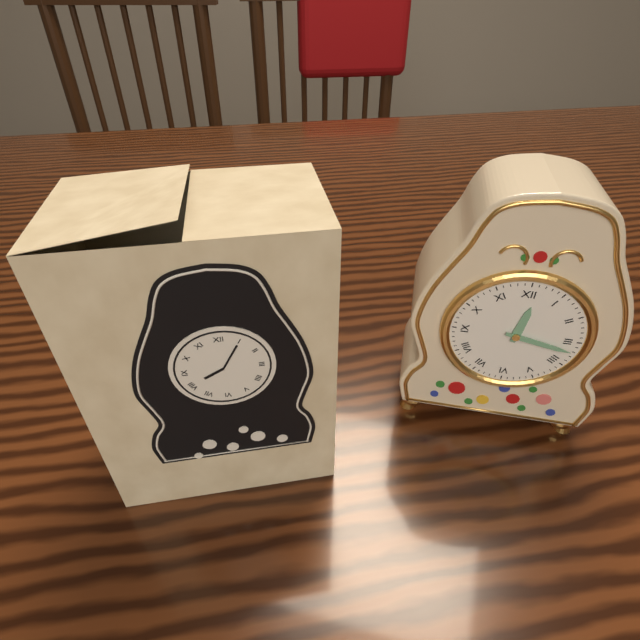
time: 12:17
